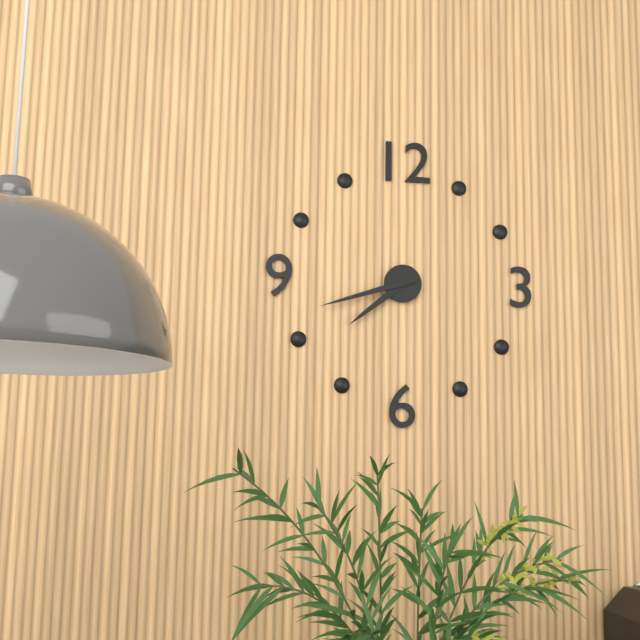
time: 7:42
